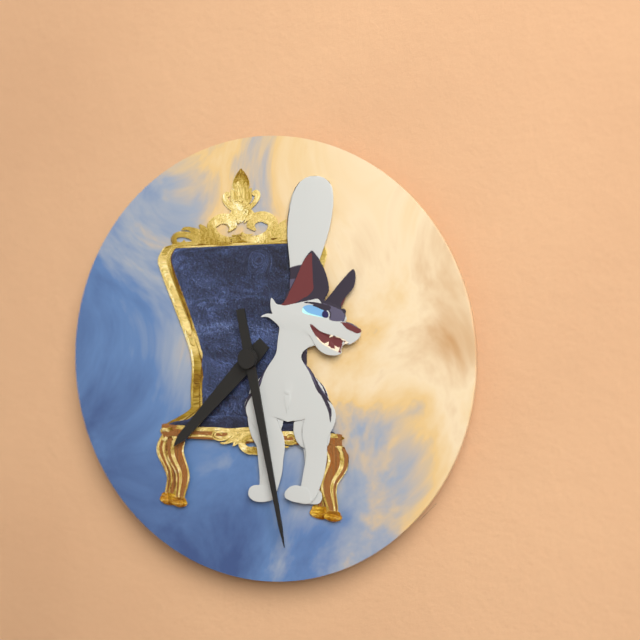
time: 7:28
